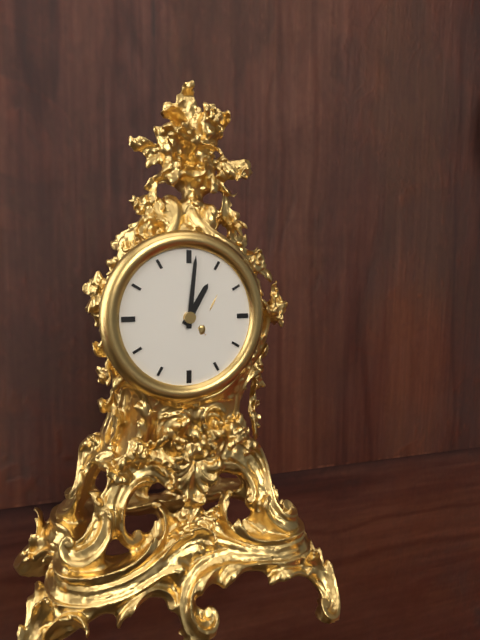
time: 1:01
